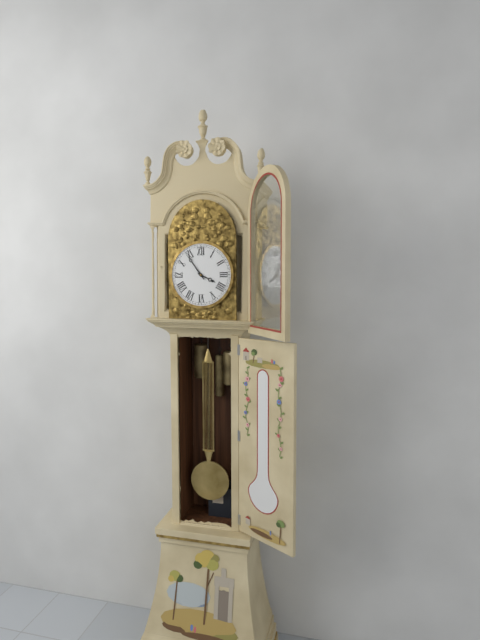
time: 3:54
